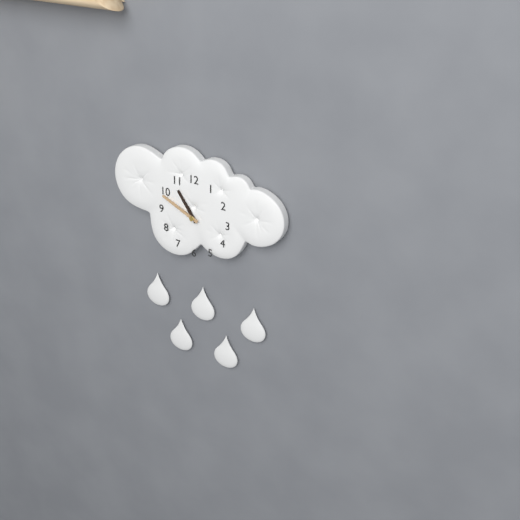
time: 10:49
